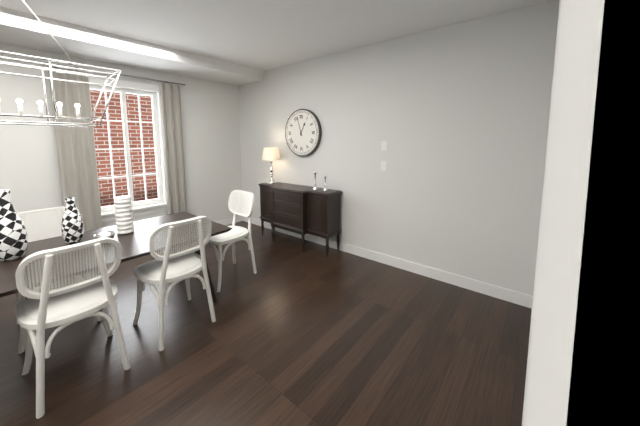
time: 12:57
